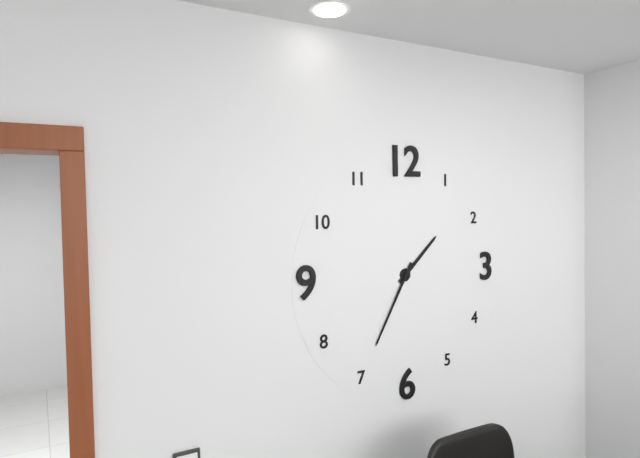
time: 1:35
